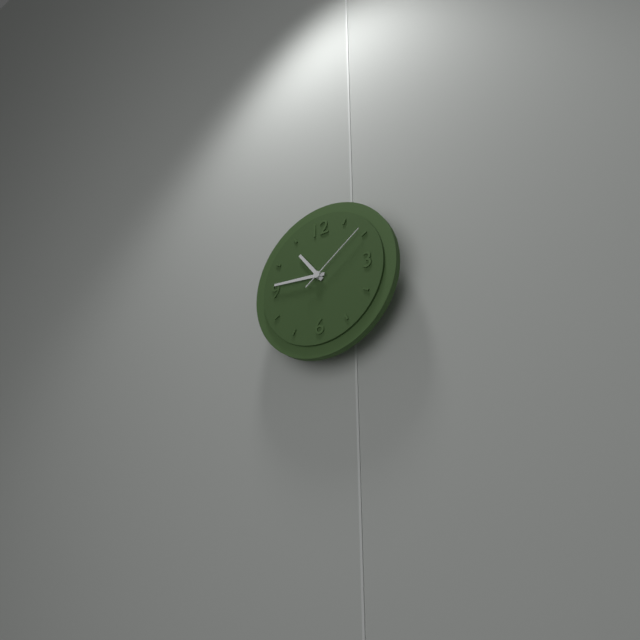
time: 10:46:09
